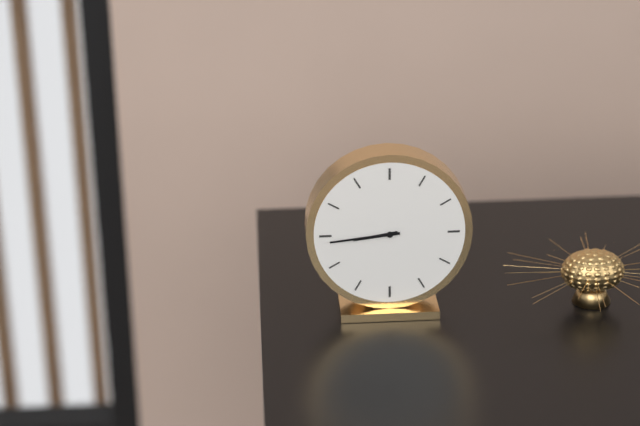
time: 8:44
